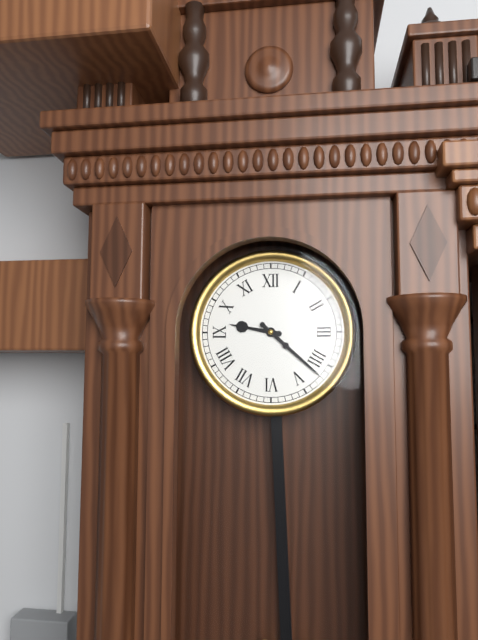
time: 9:22
